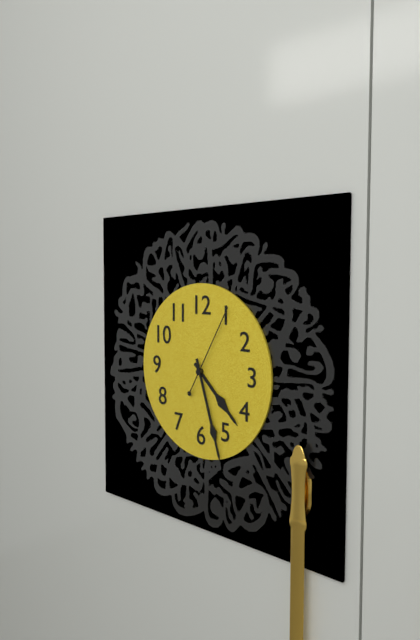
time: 4:27:05
